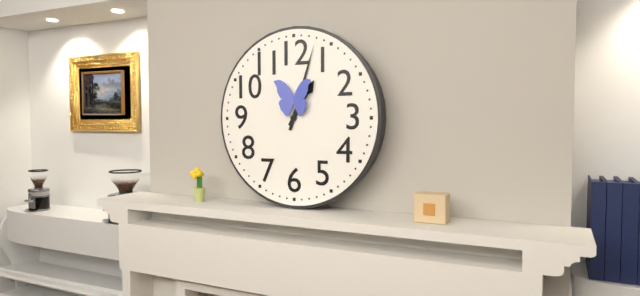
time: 1:03
